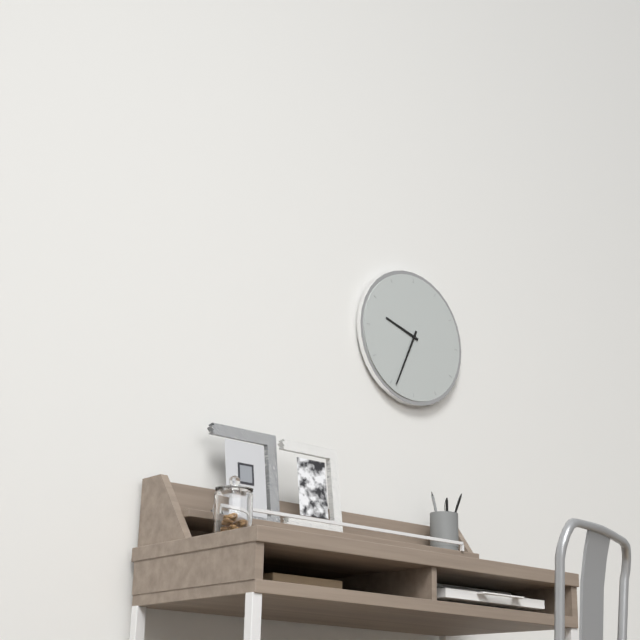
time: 9:34
